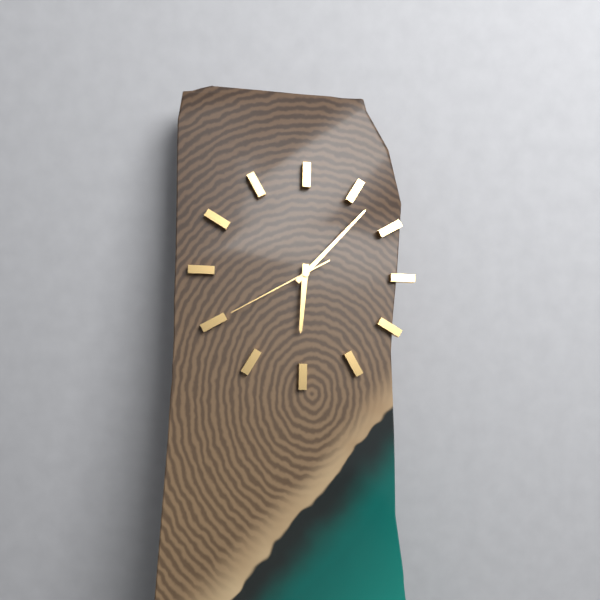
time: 6:07:40
